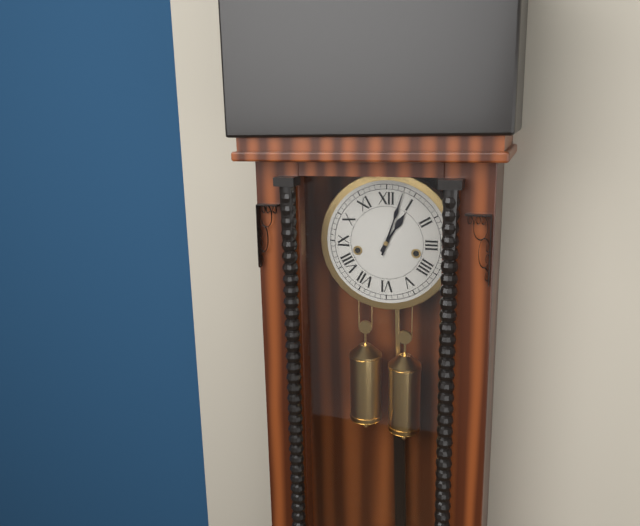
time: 1:03
